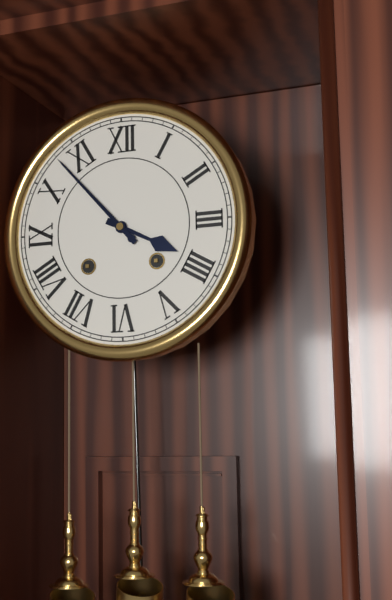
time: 3:53
